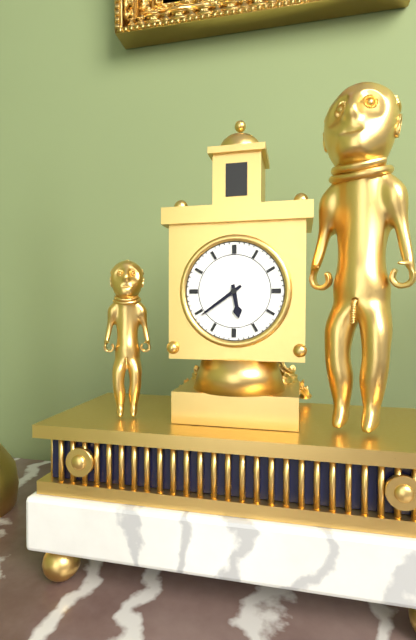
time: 5:39
